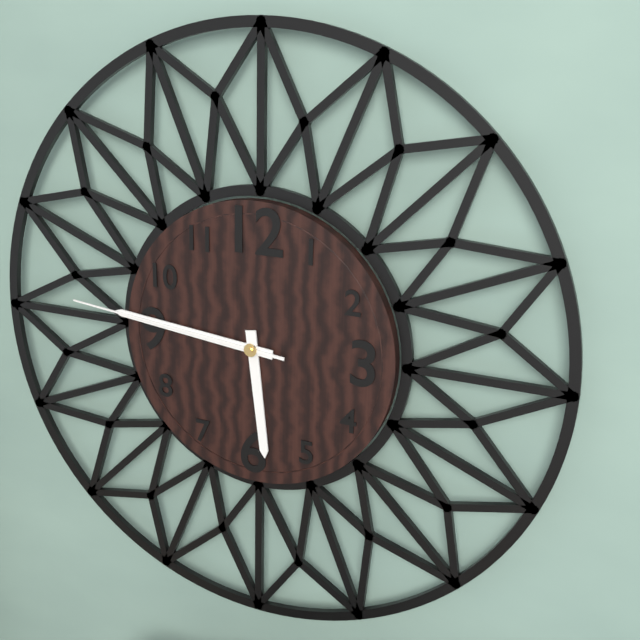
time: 5:46:46
